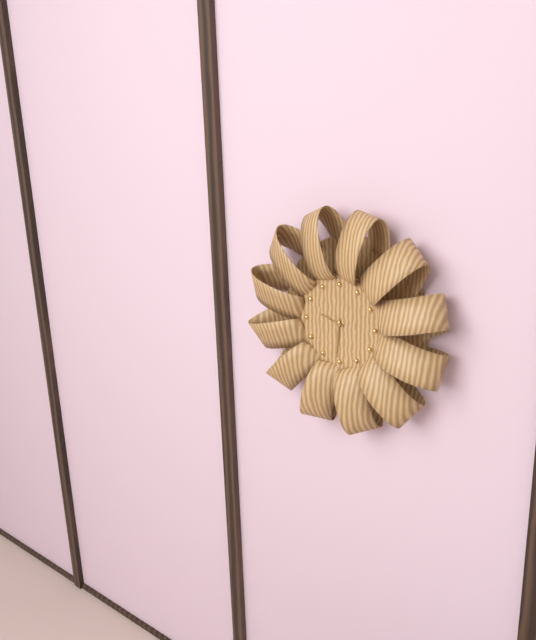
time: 9:31
